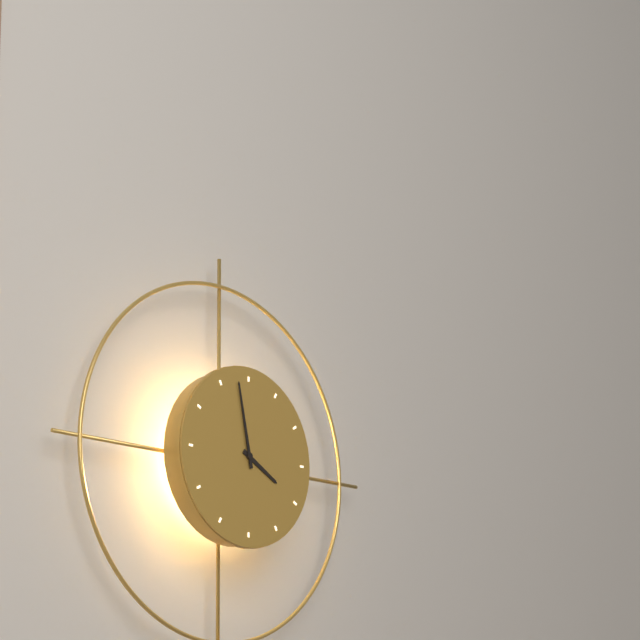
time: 3:58
